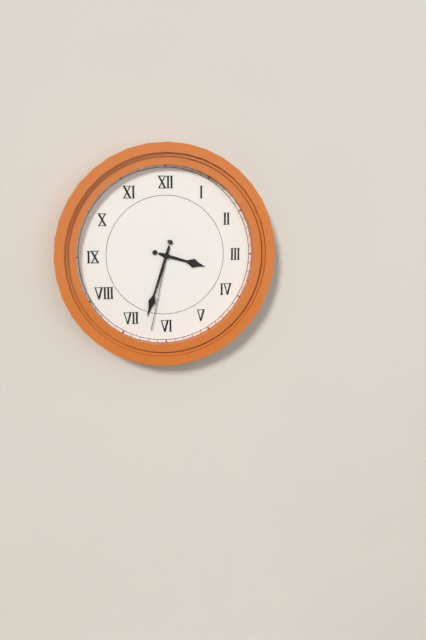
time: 3:33:32
